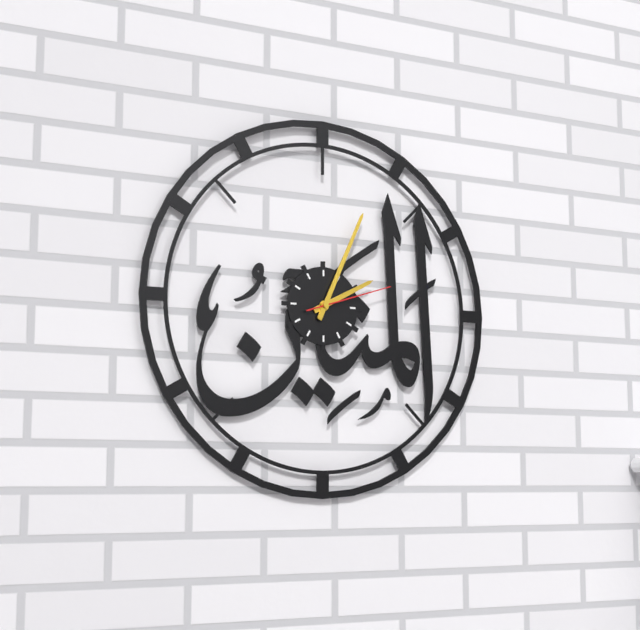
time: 2:04:12
